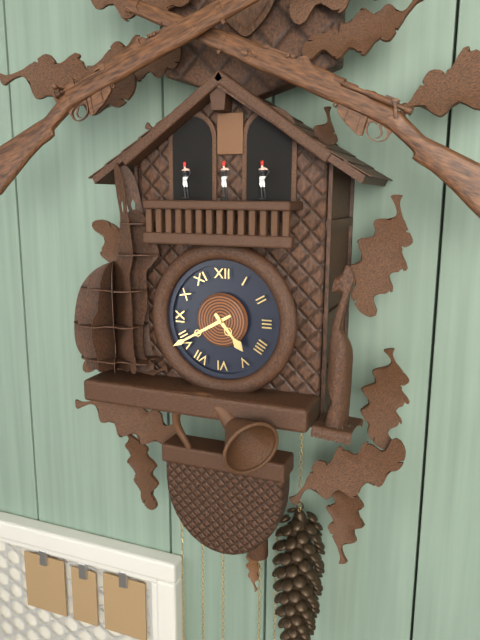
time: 4:40
